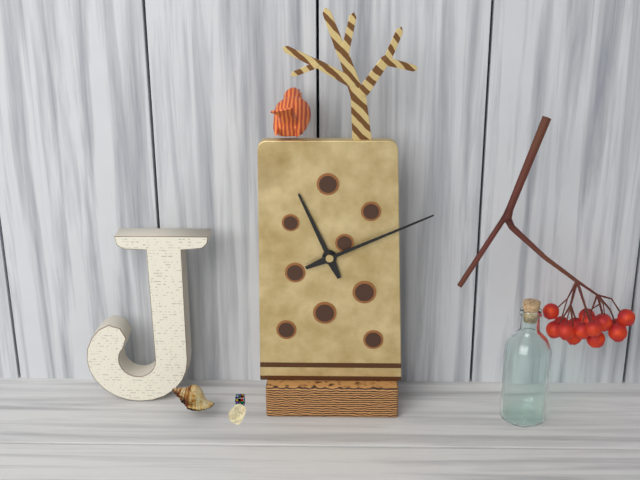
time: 11:11
